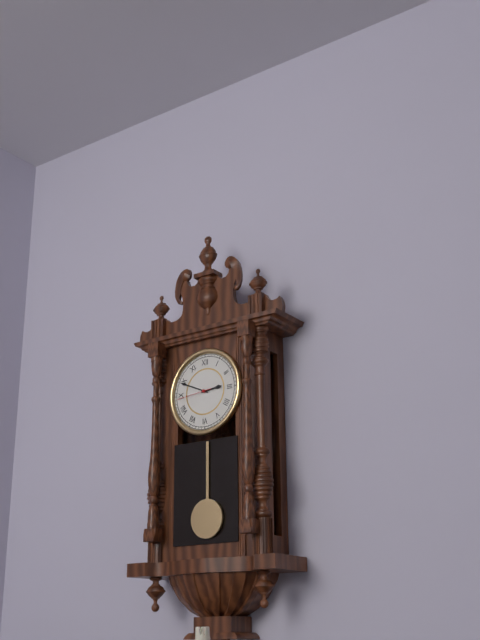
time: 2:49
